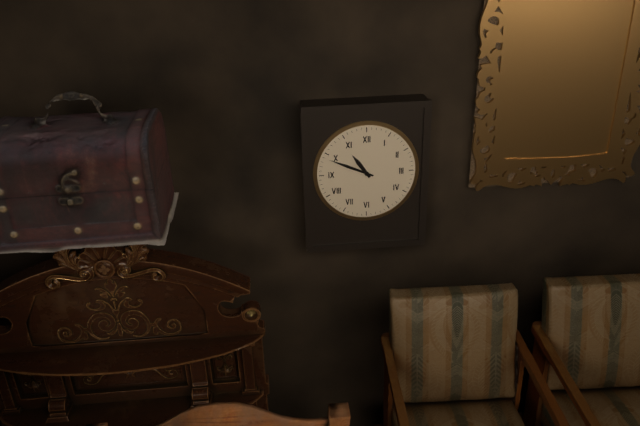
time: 10:49
